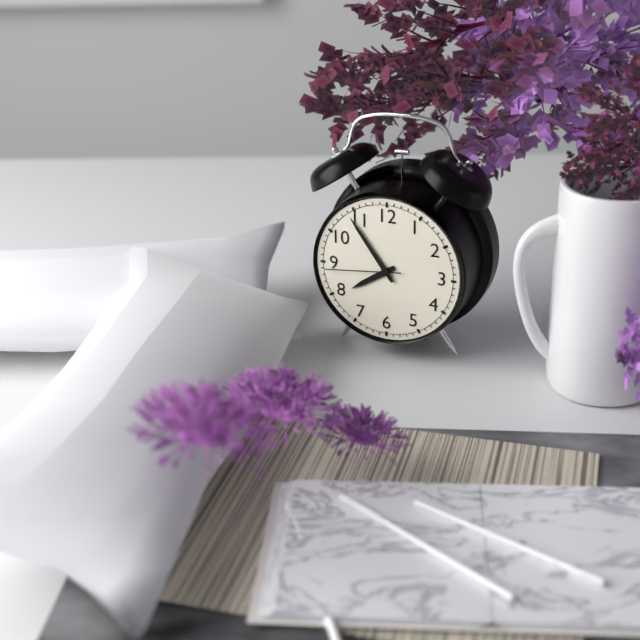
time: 7:54:44
